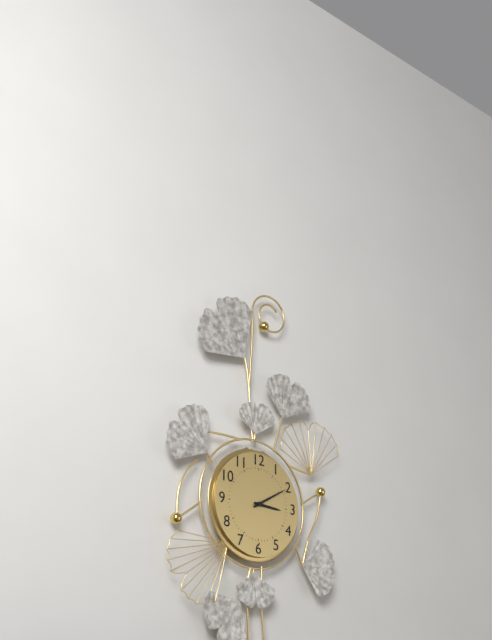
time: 3:10
